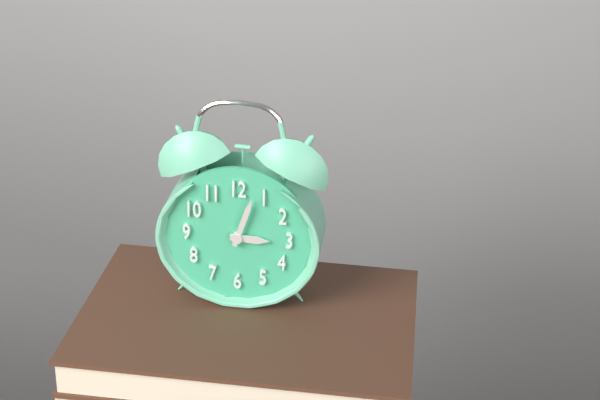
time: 3:03
